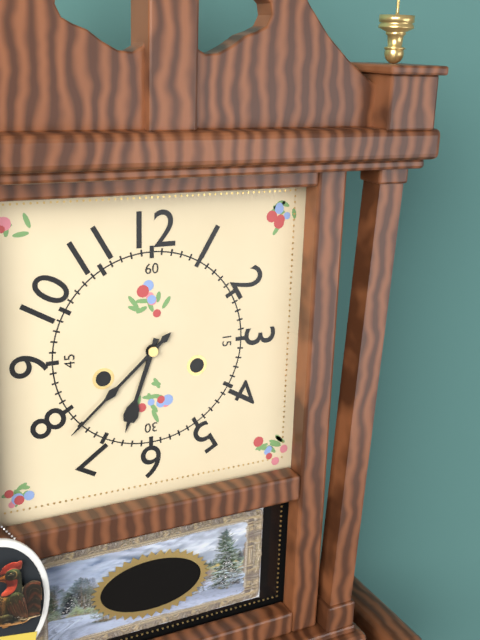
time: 6:38
